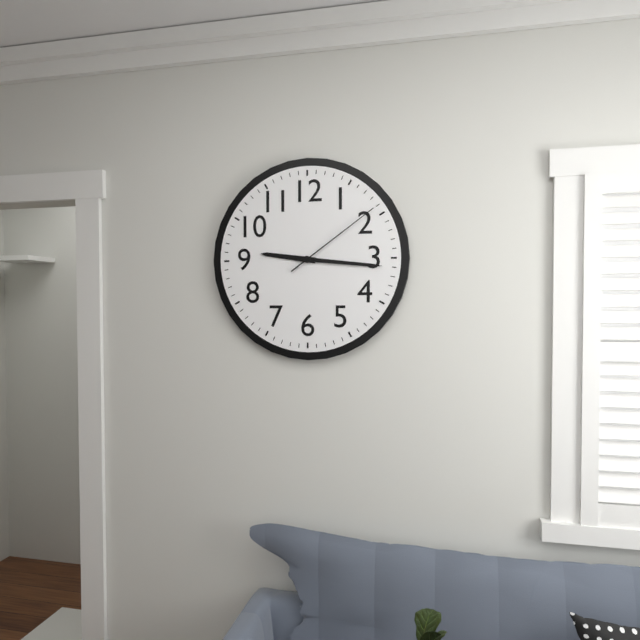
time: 9:16:09
